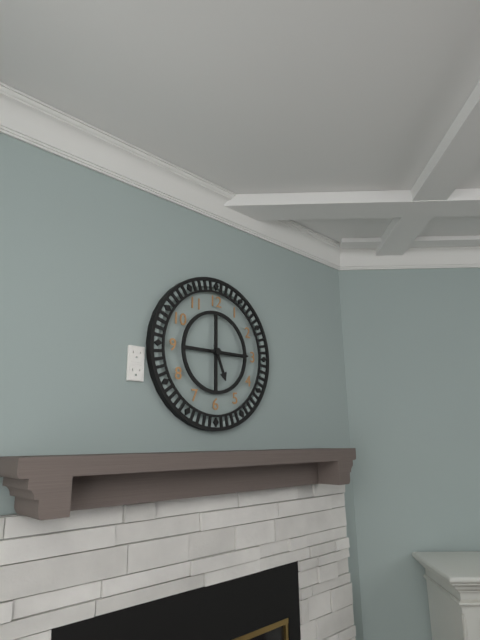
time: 5:15
